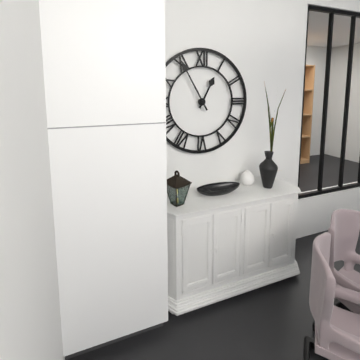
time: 12:55
